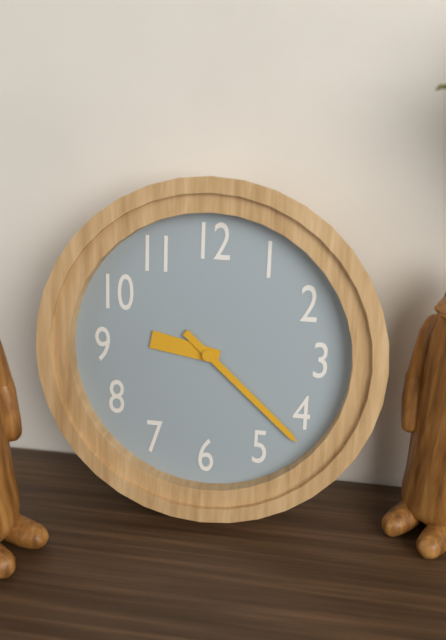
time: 9:22
